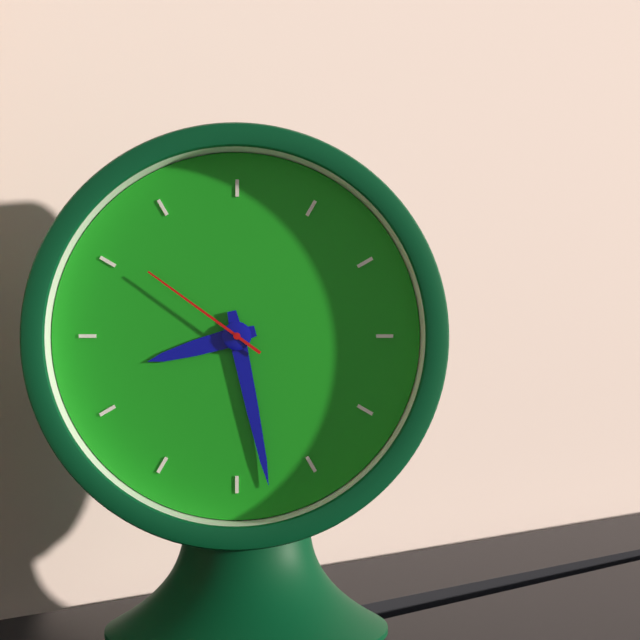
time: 8:28:51
